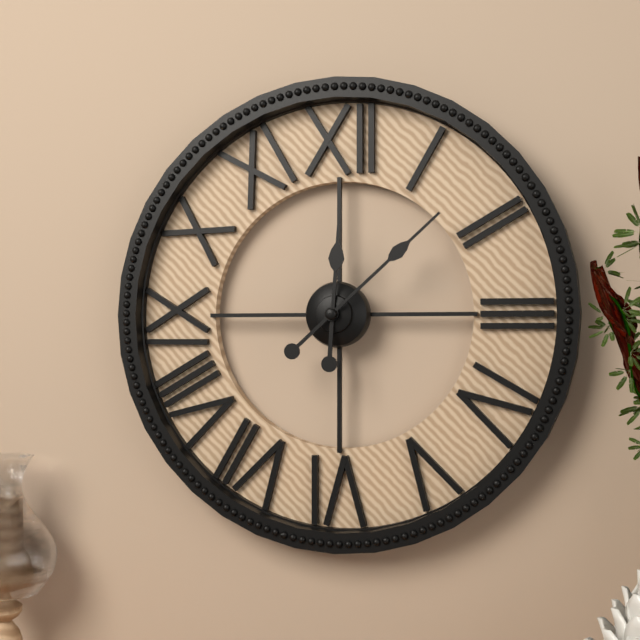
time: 12:08
